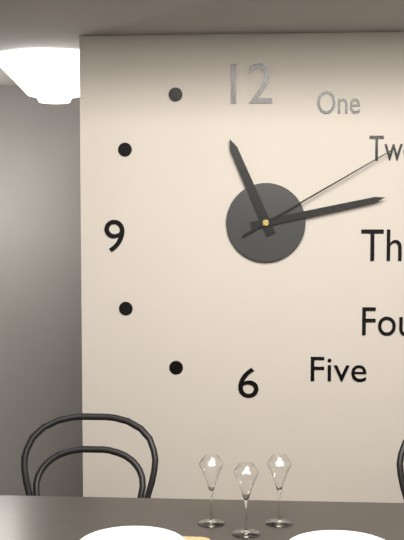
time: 11:13:10
